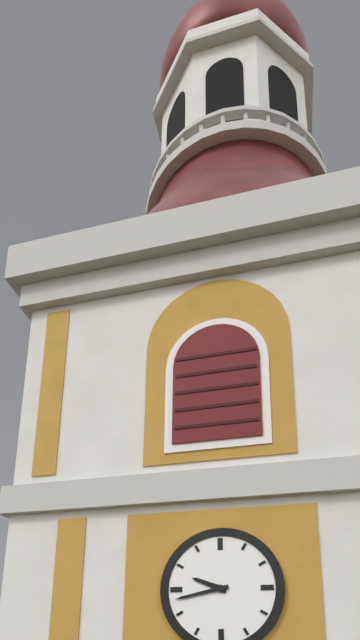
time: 9:43
